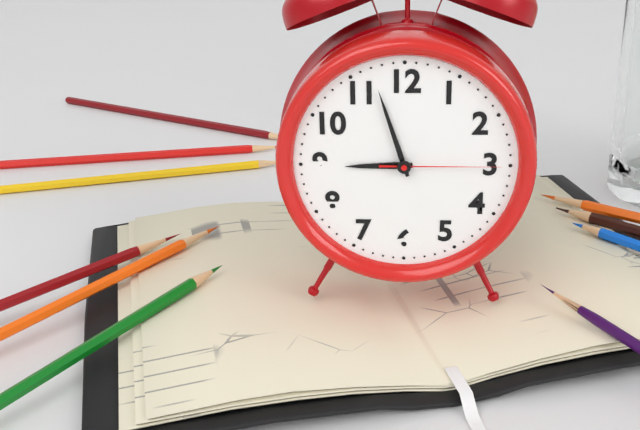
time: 8:57:15
